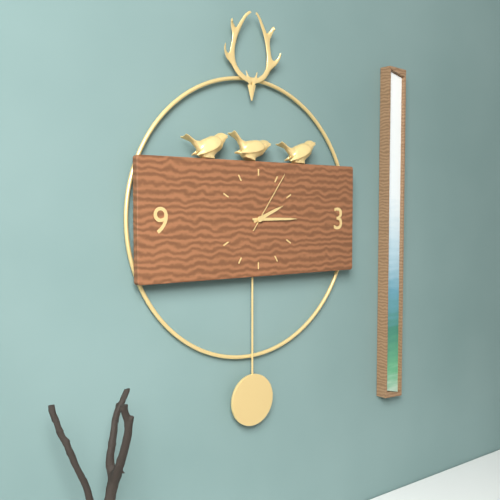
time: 2:15:06
